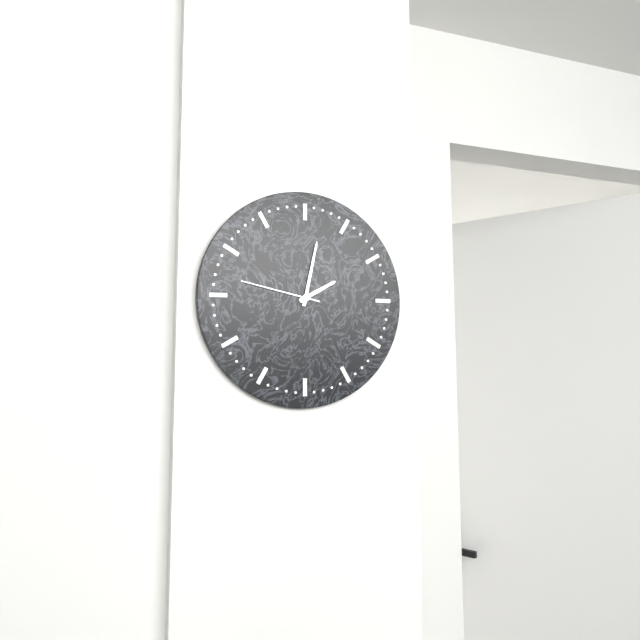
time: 2:02:47
